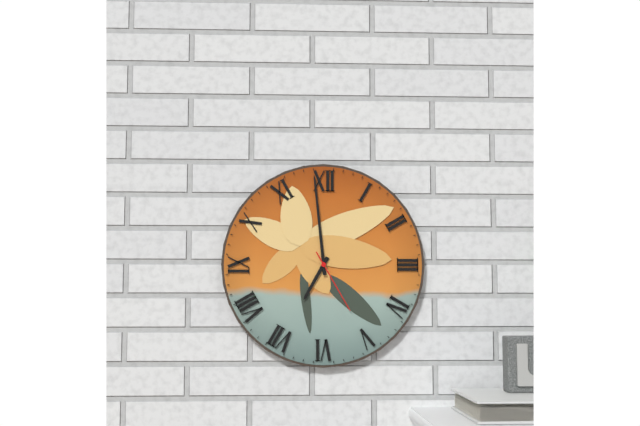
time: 6:59:25
